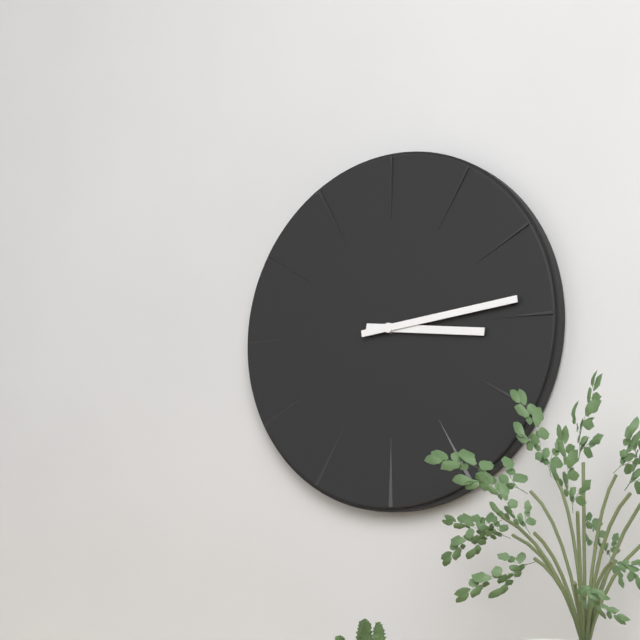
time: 3:14
